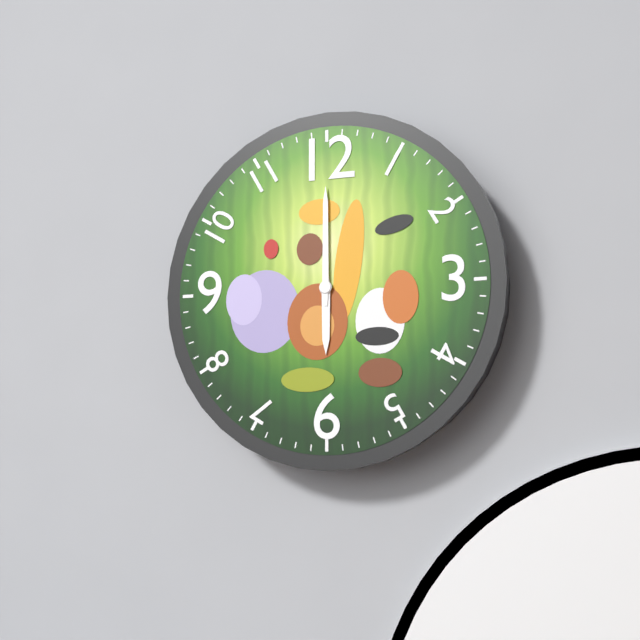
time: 6:00
